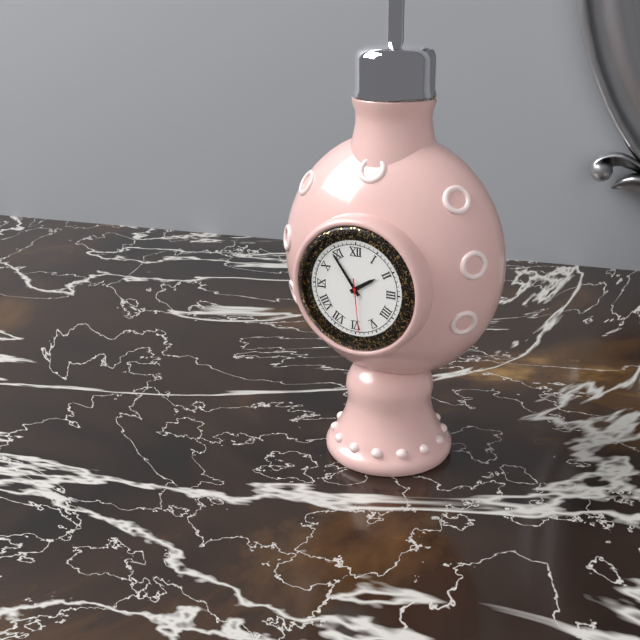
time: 1:54:29
